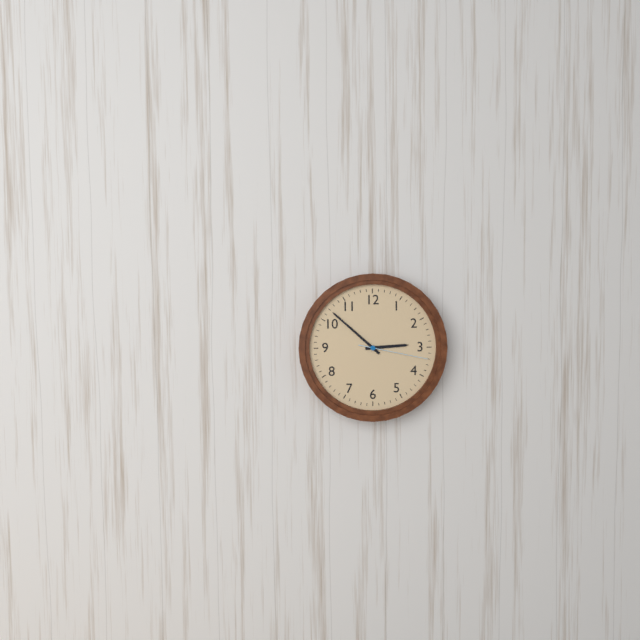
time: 2:52:17
